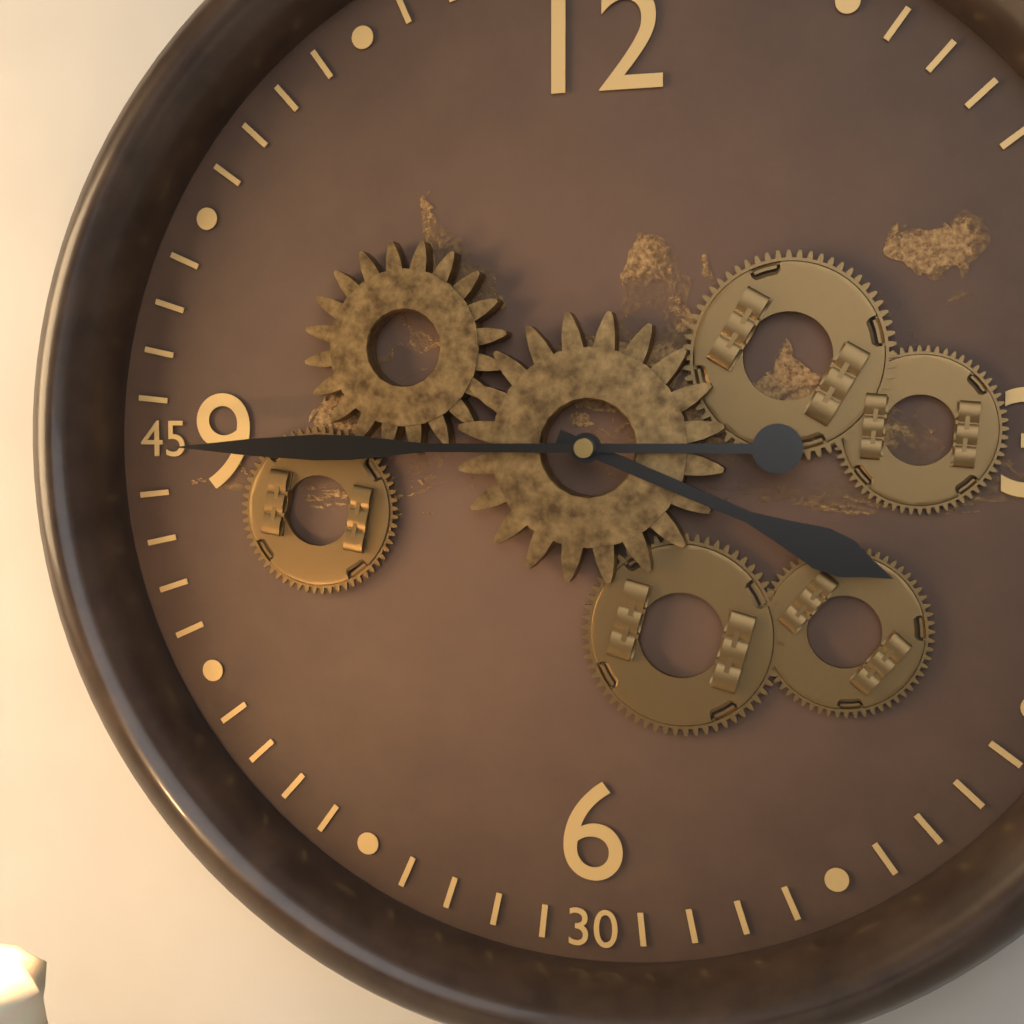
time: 3:45
